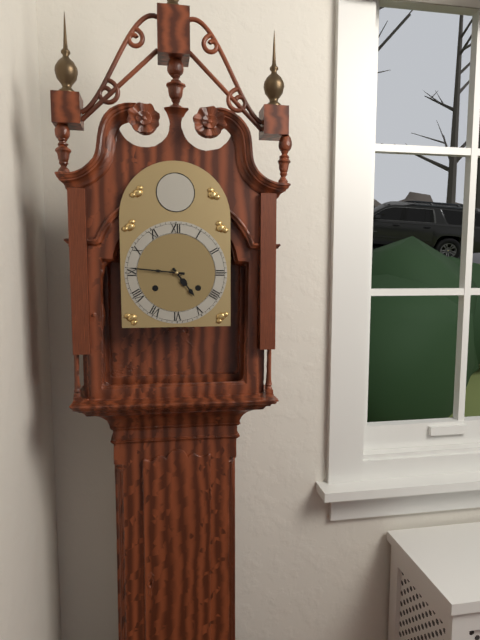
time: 4:46
